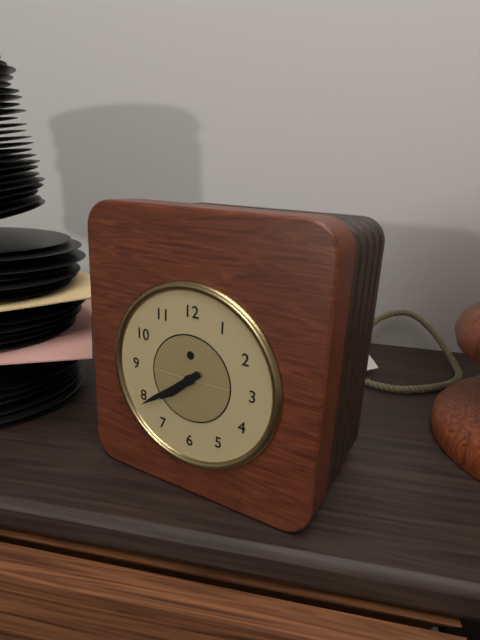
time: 7:39
